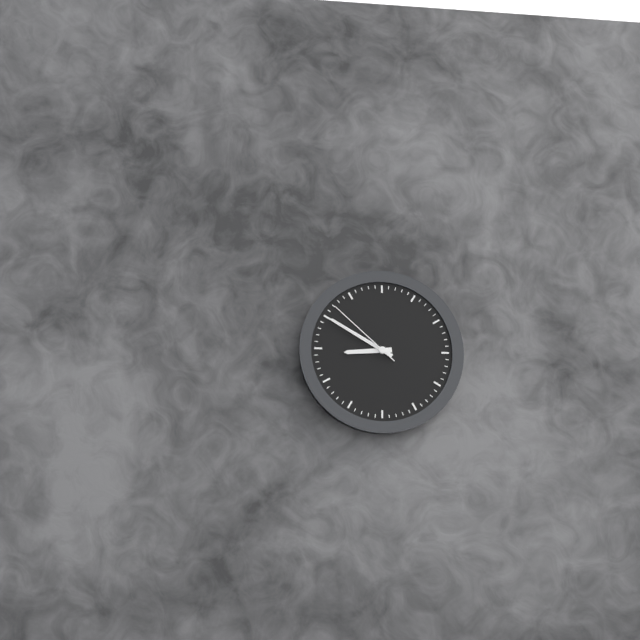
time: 8:50:52
